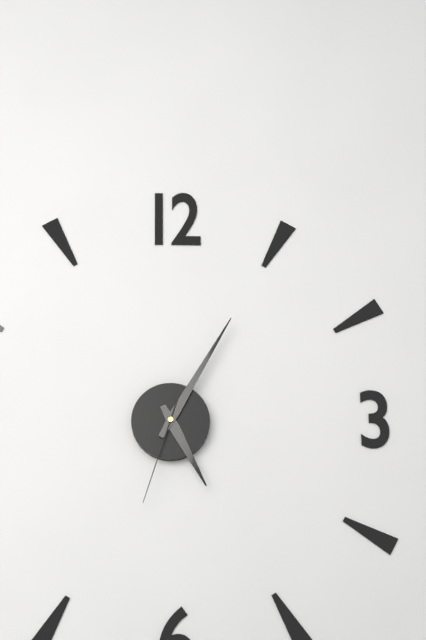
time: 5:05:33
